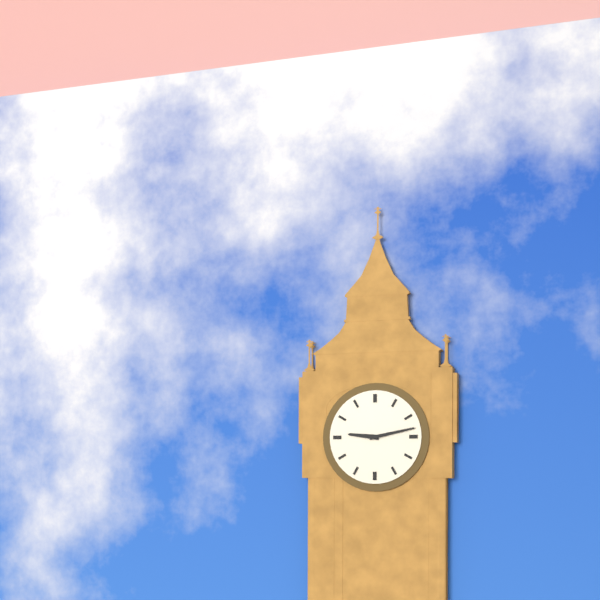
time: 9:13
